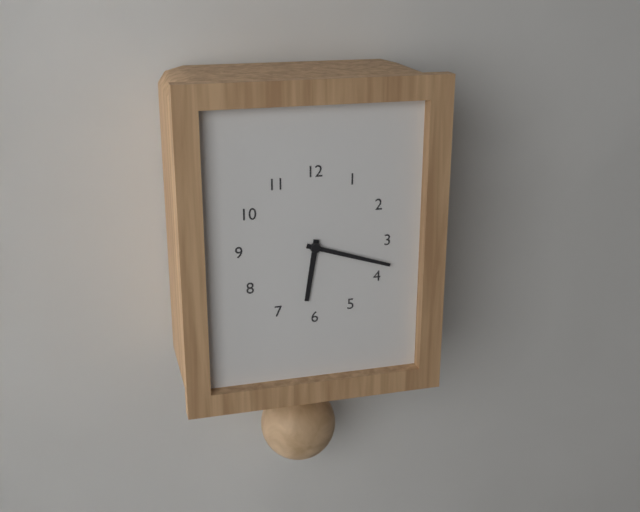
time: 6:18
